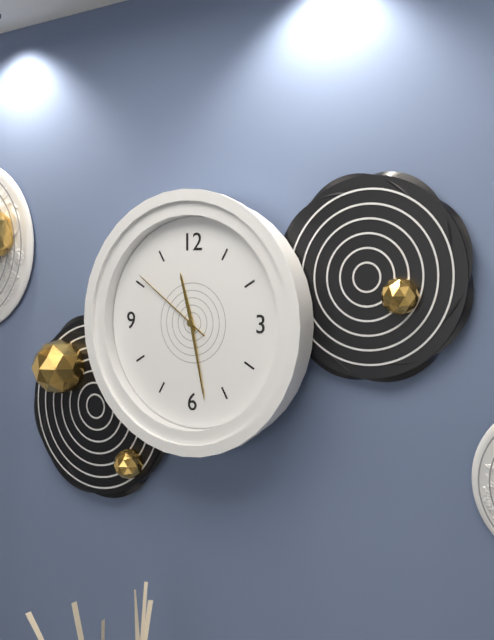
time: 11:28:51
